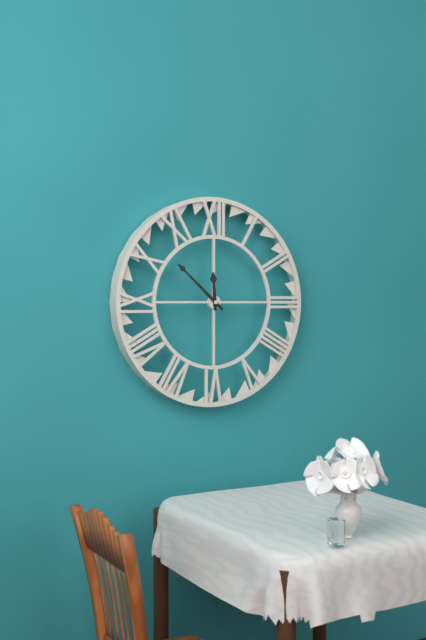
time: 11:52
